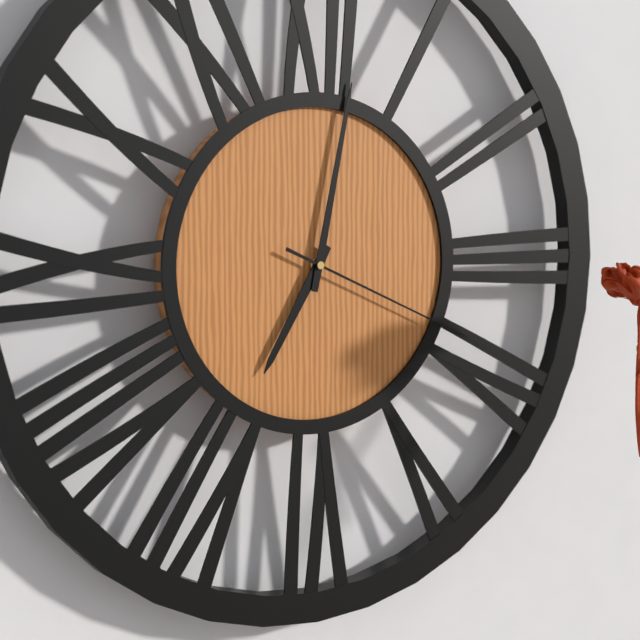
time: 7:02:19
